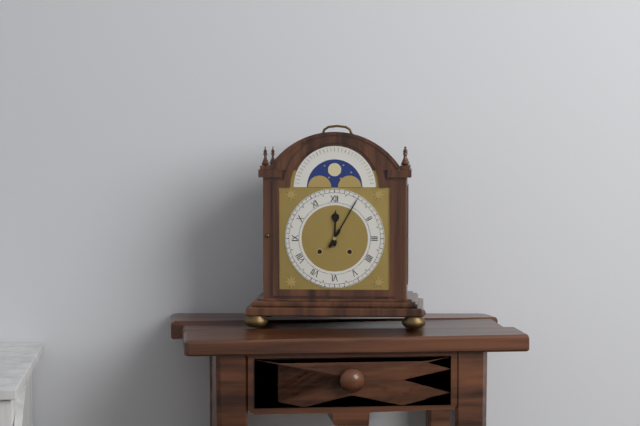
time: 12:05
